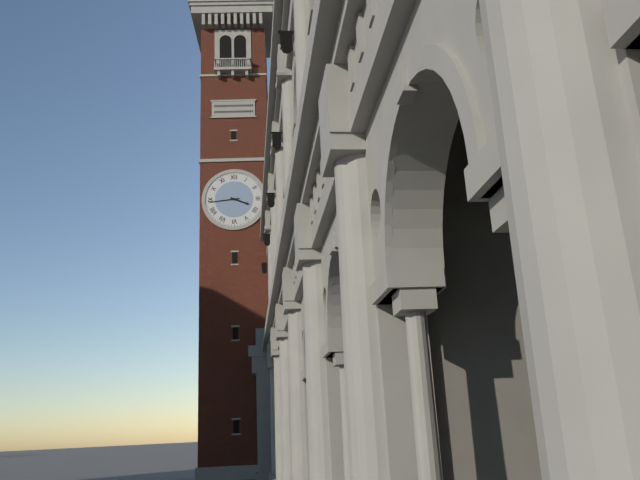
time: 3:44
